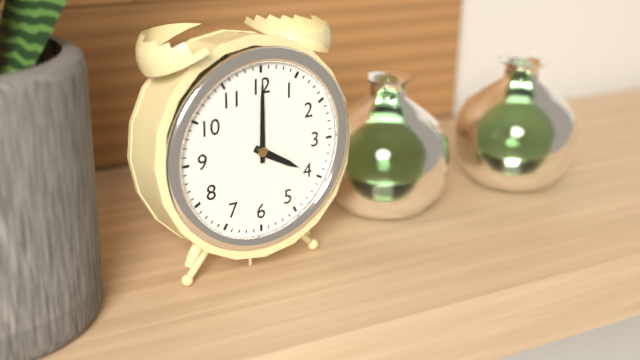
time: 4:00
